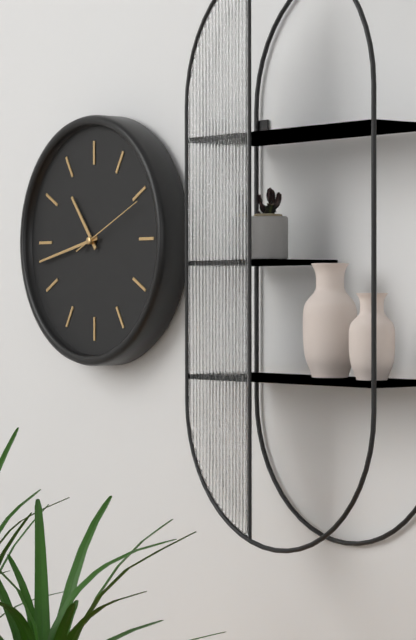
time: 10:43:11
